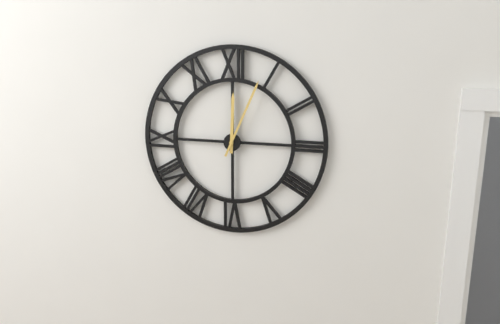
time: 12:04
